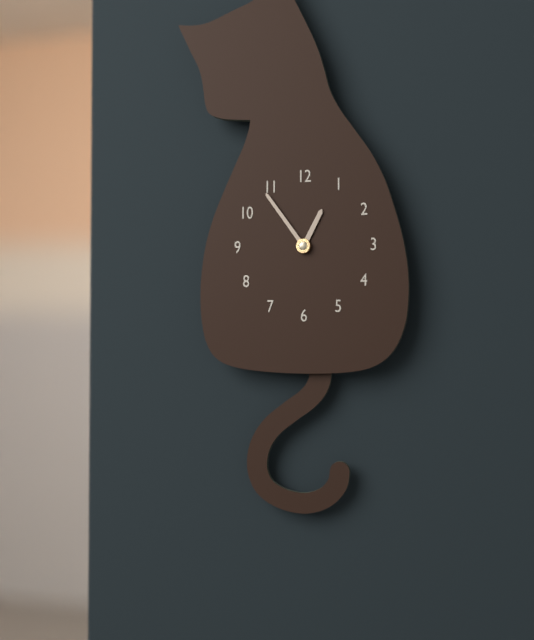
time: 12:54
